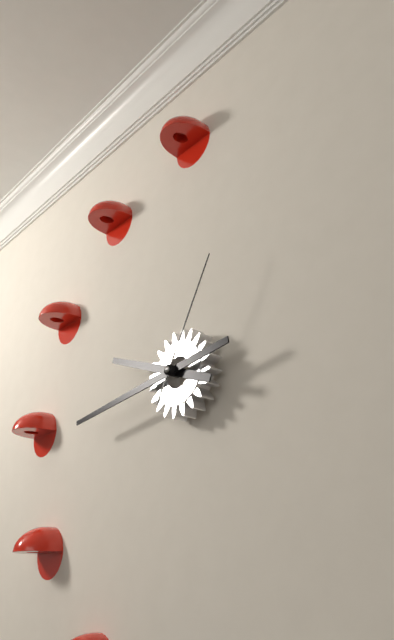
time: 9:44:05
